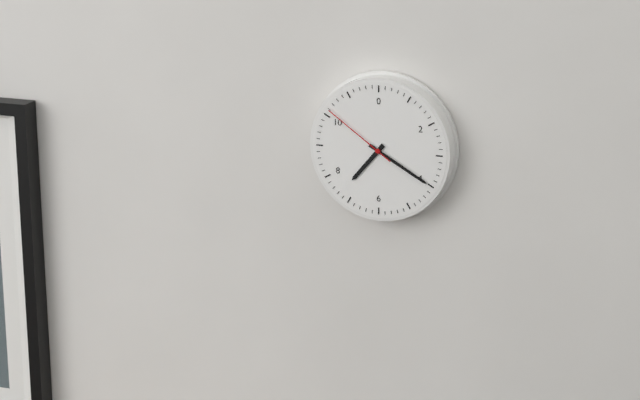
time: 7:20:51
